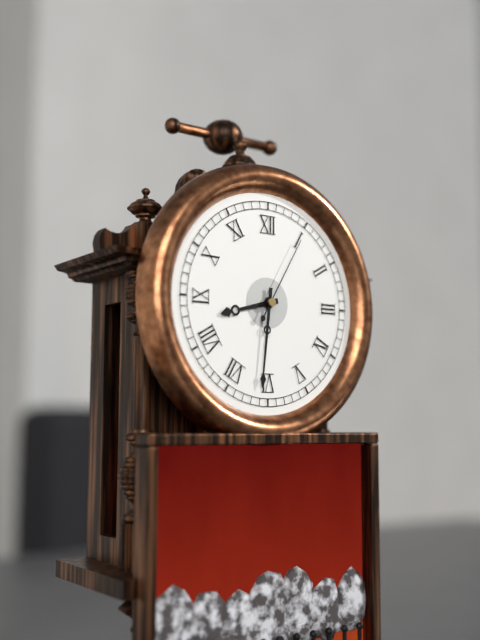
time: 8:31:05
